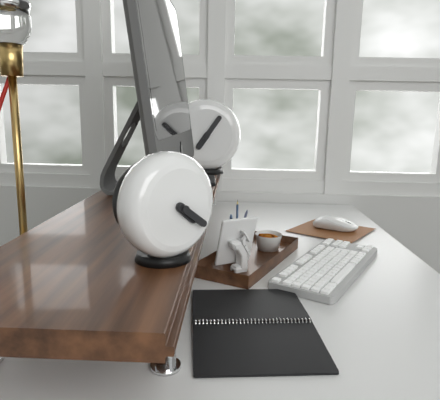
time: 4:21
